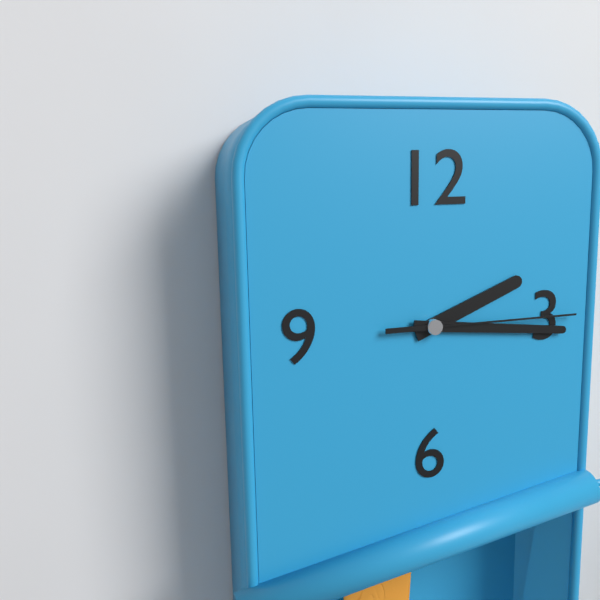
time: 2:16:15
